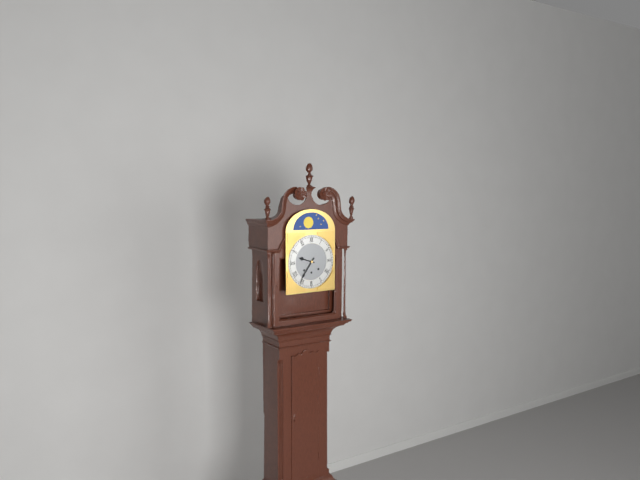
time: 9:36
